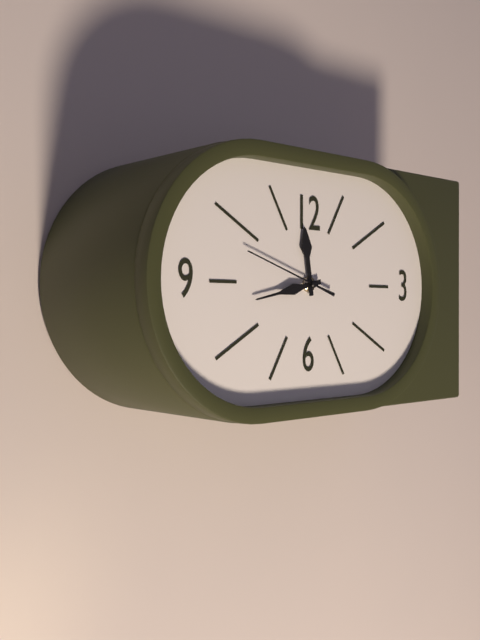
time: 11:43:48
